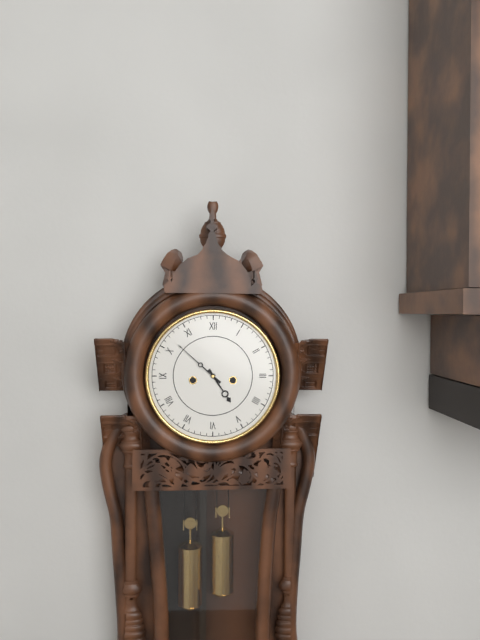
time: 4:52
